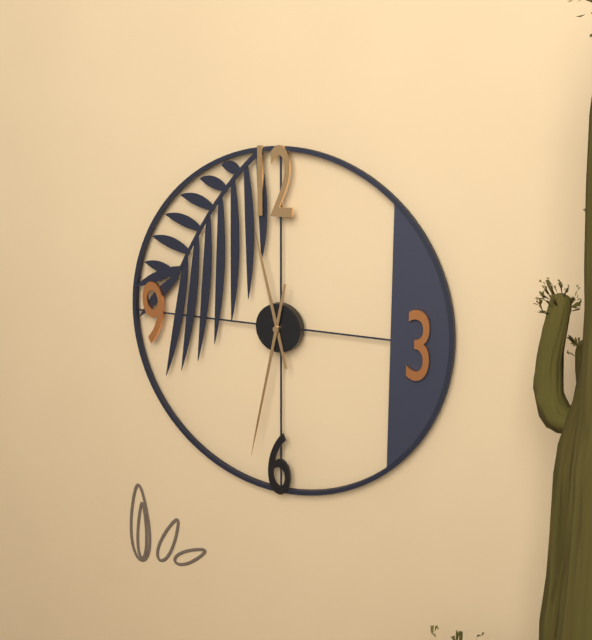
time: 11:32
